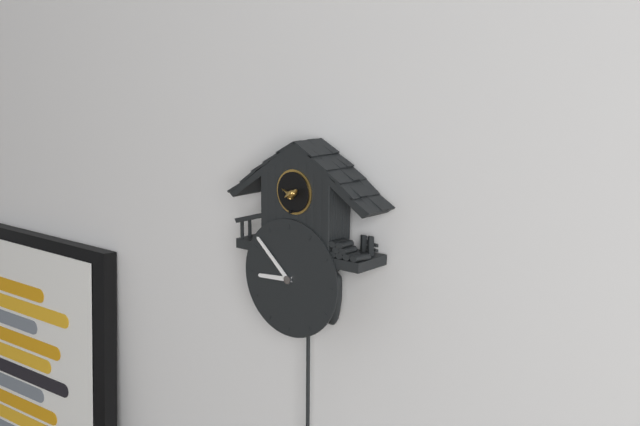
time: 8:52
